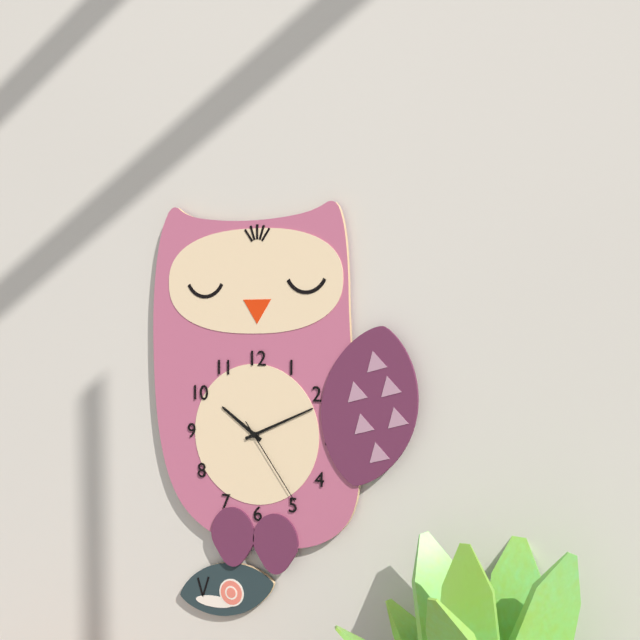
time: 10:11:24
